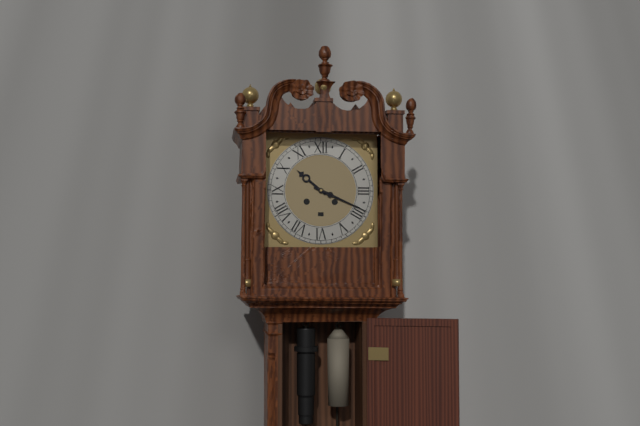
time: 10:19
